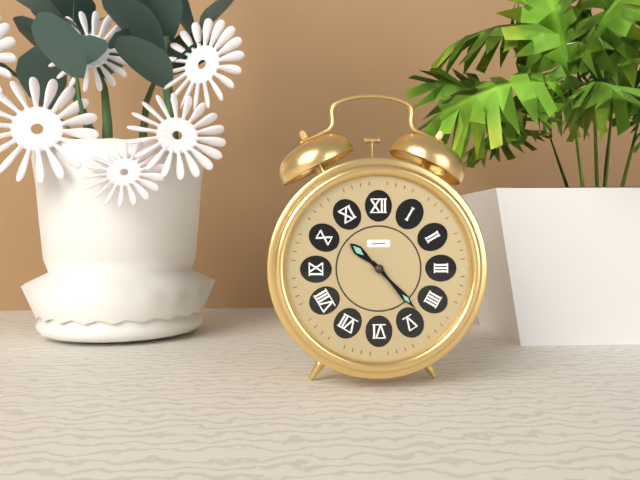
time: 10:23
